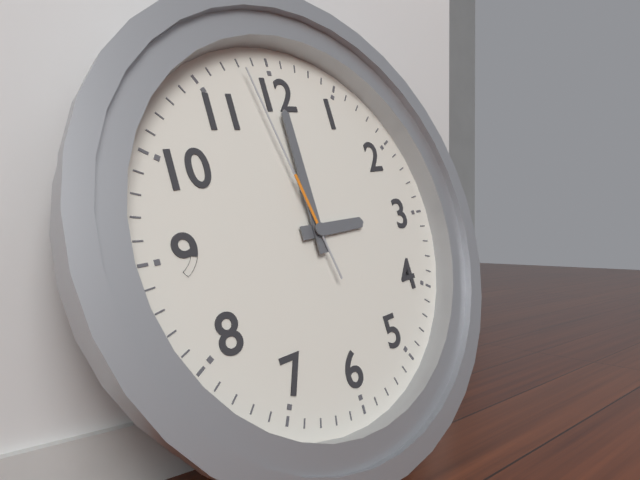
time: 3:00:58
